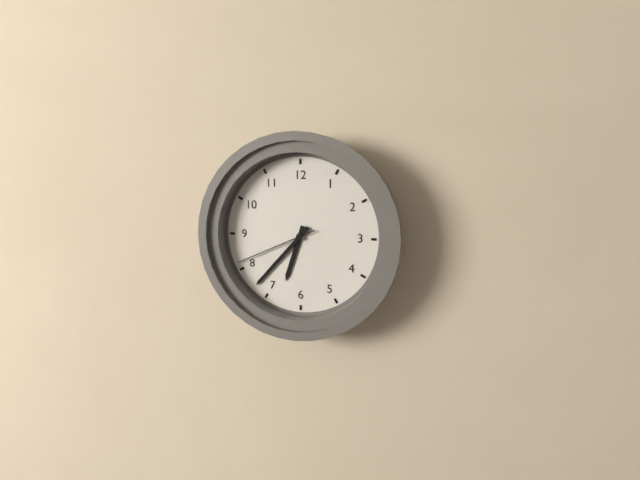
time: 6:37:41
